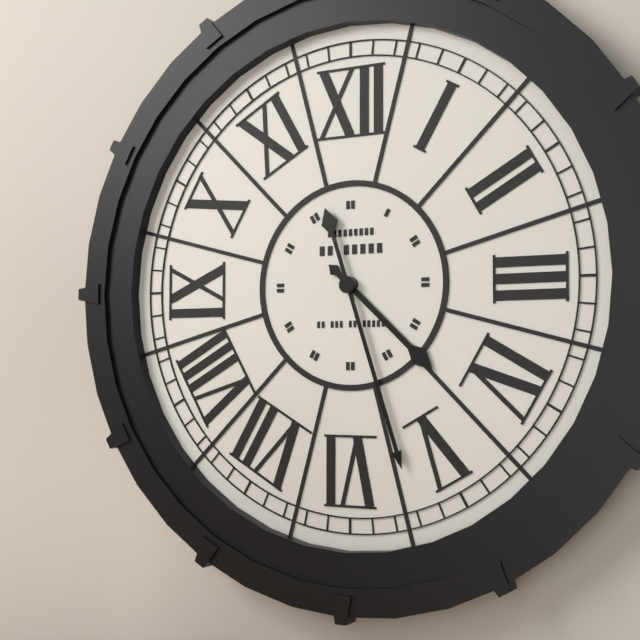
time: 4:27
